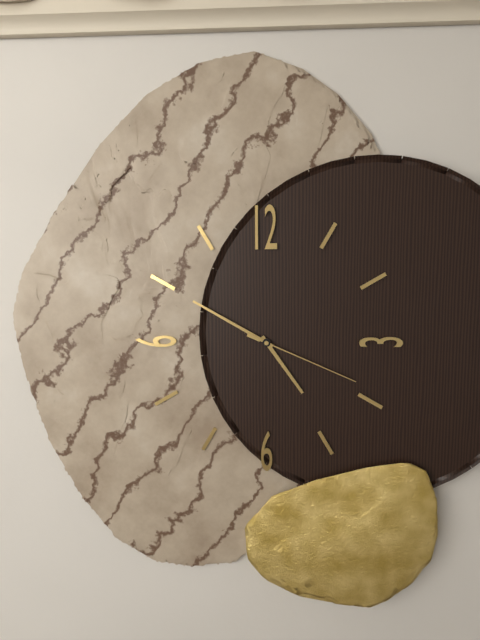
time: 4:50:19
